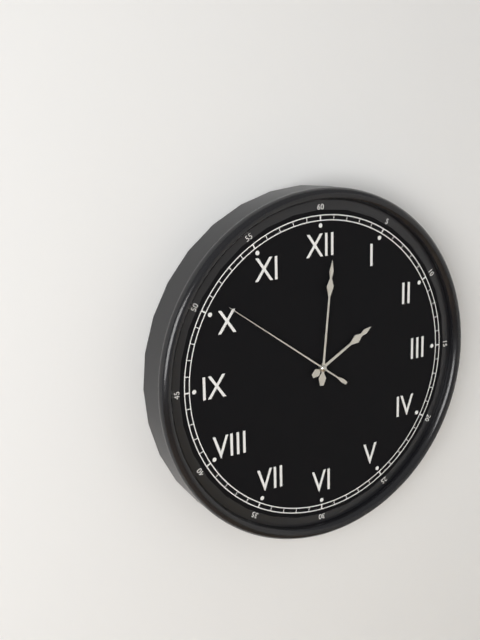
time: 2:01:51
